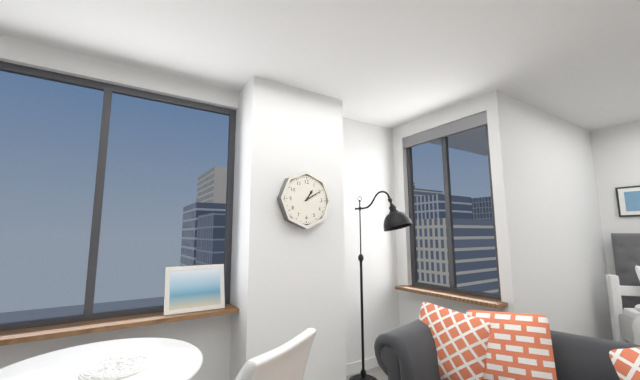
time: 1:10
